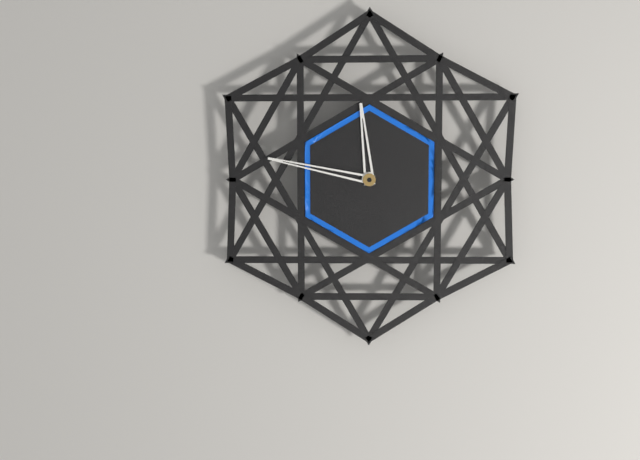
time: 11:47
